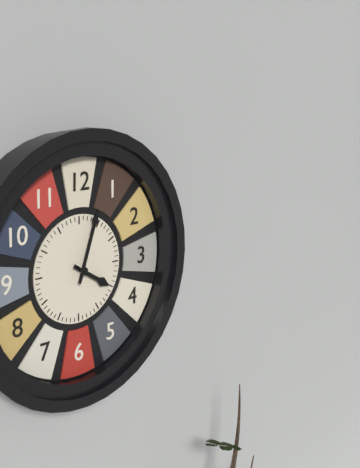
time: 4:03
